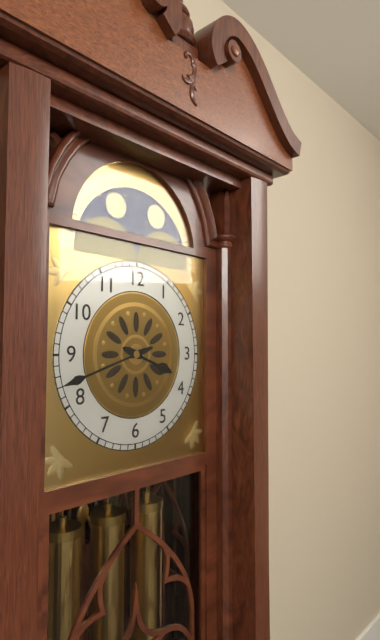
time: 3:42
